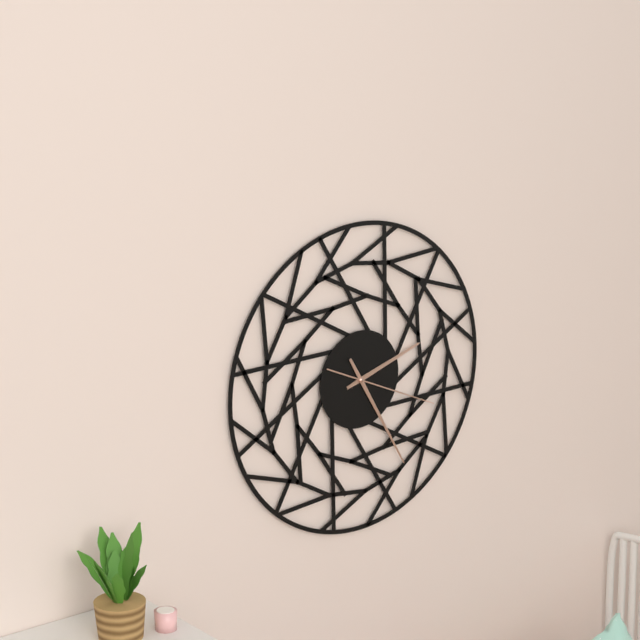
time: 2:25:19
